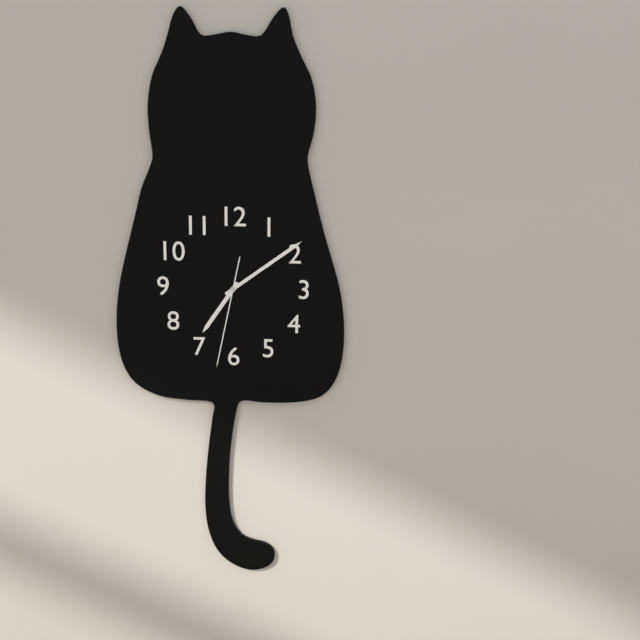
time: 7:09:32
